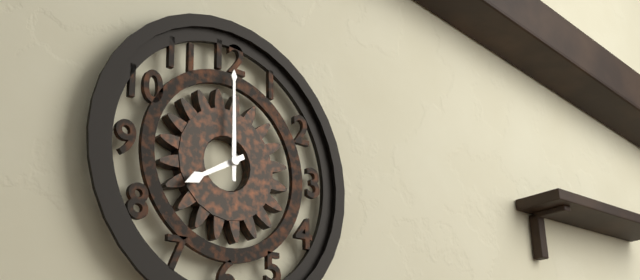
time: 8:00
